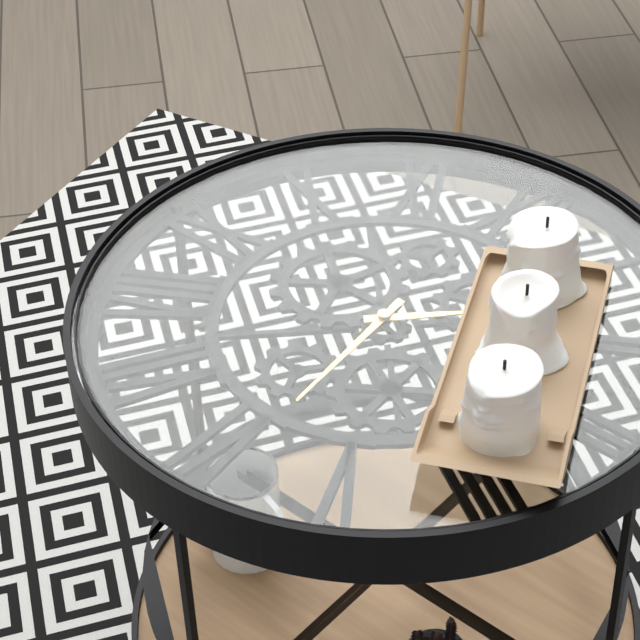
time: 1:29
